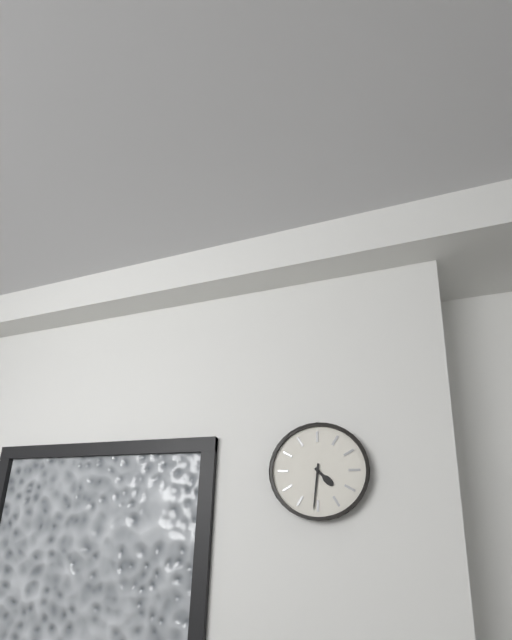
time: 4:31
